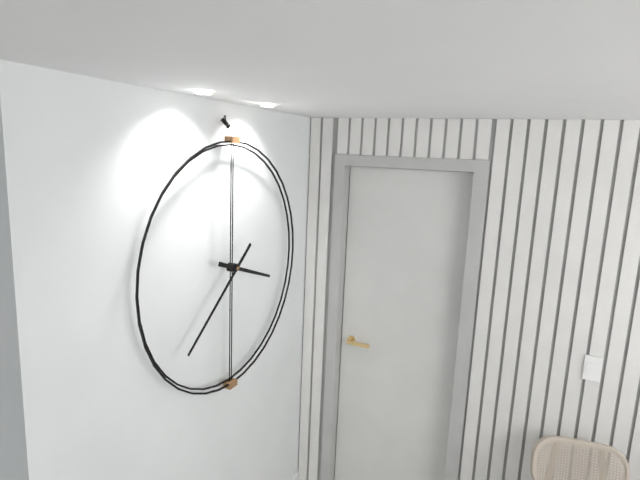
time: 3:38
